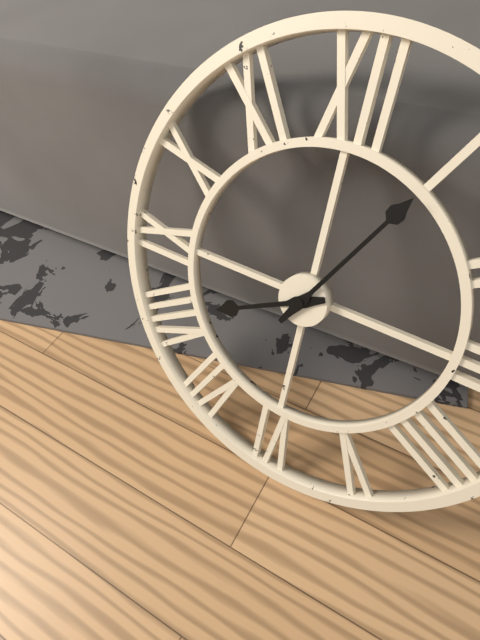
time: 8:05
